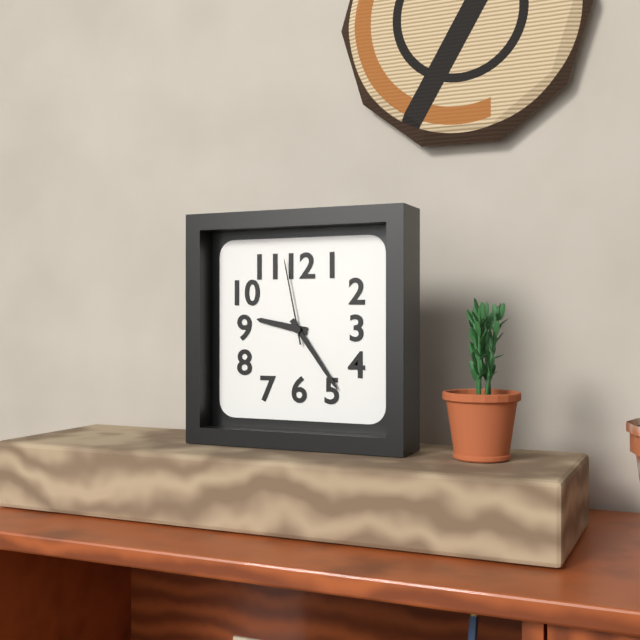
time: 9:24:58
